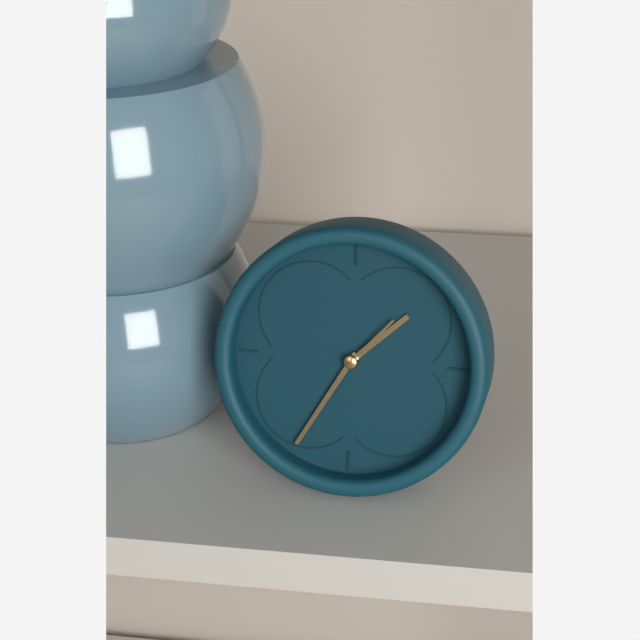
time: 1:35:07
